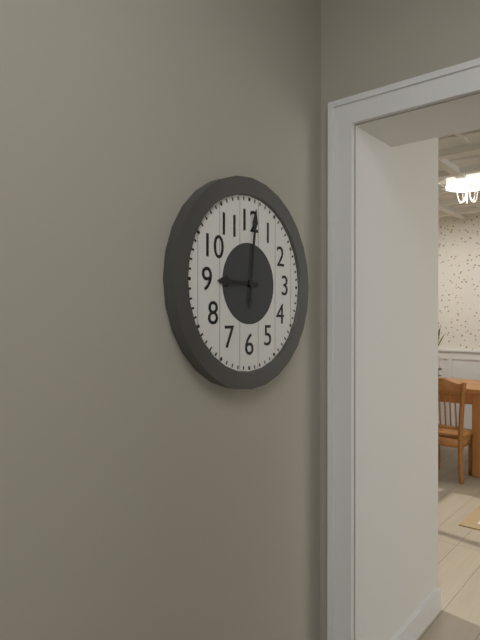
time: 9:01
